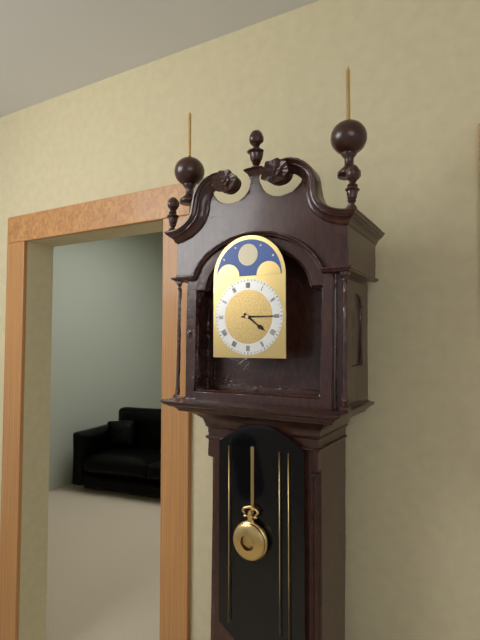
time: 4:15
